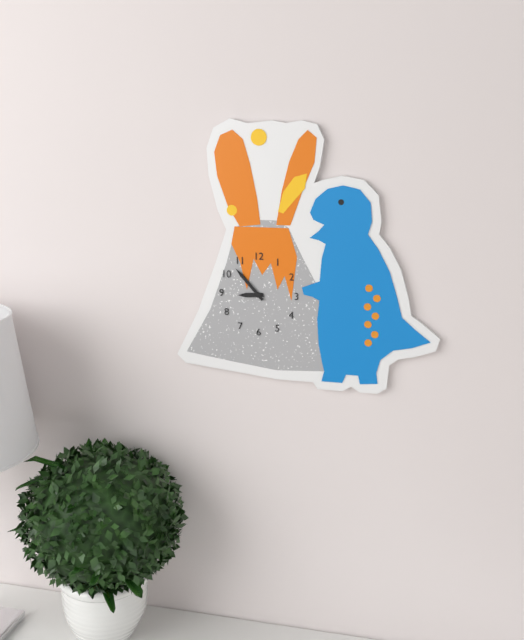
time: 8:53
